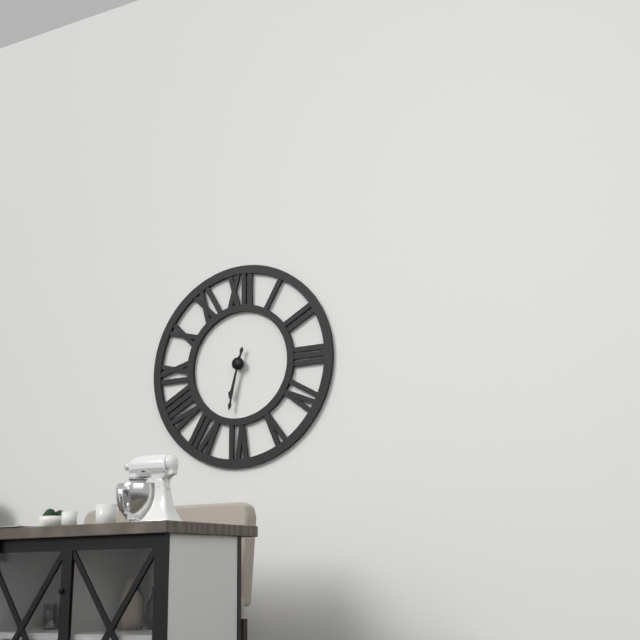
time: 6:32
